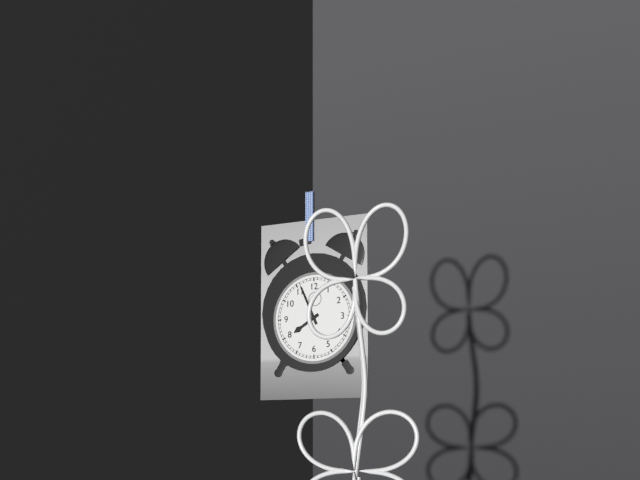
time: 7:56
